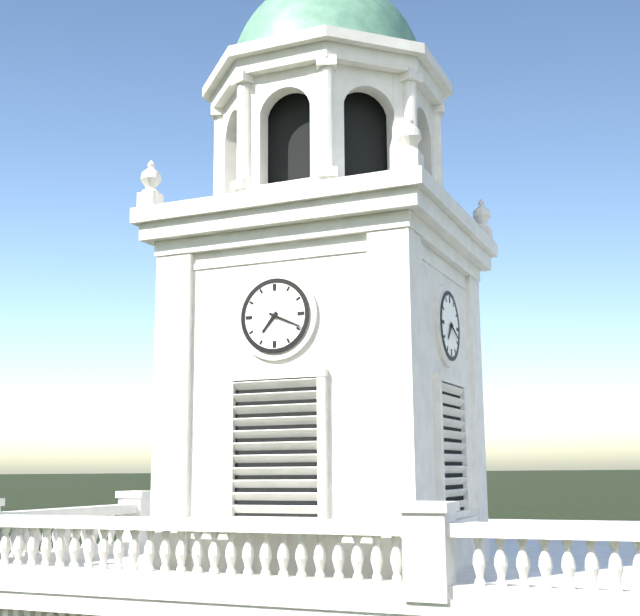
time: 7:19
